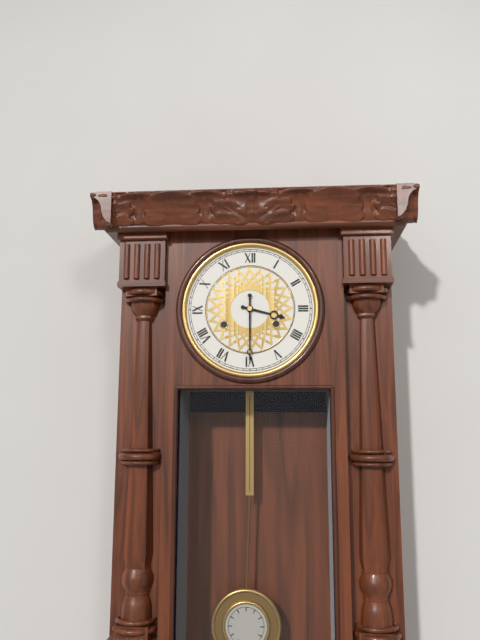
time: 3:30
